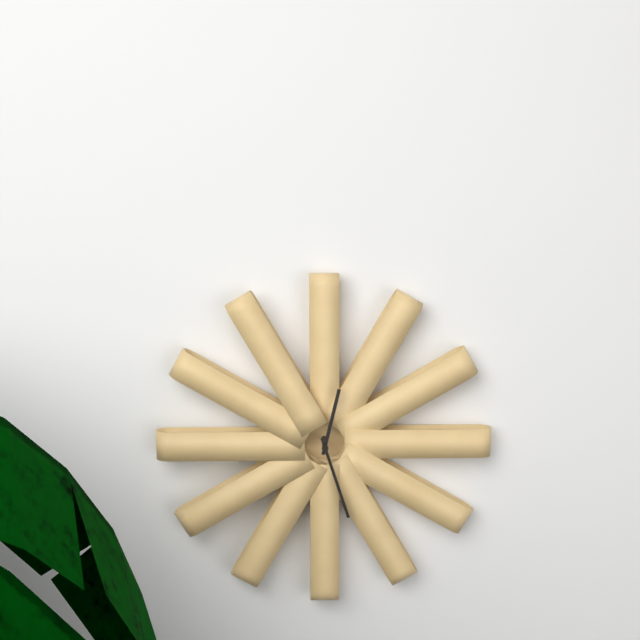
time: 12:27
